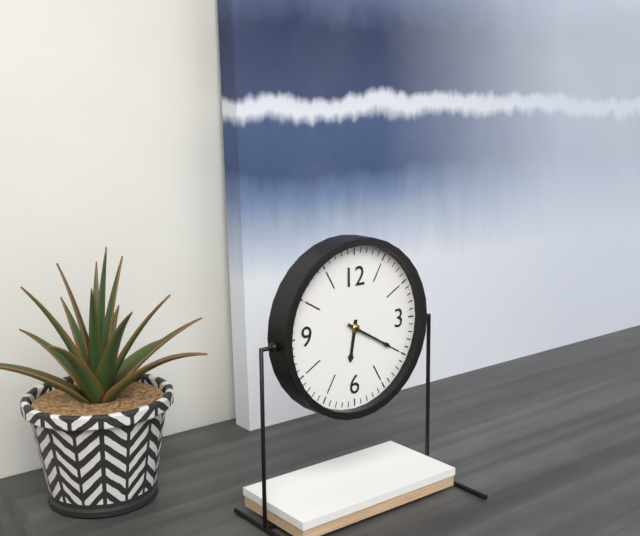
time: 6:20
